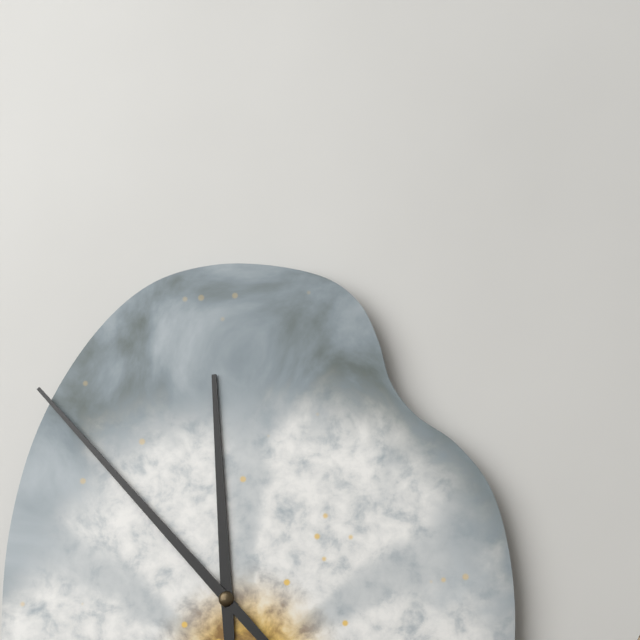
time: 11:53
